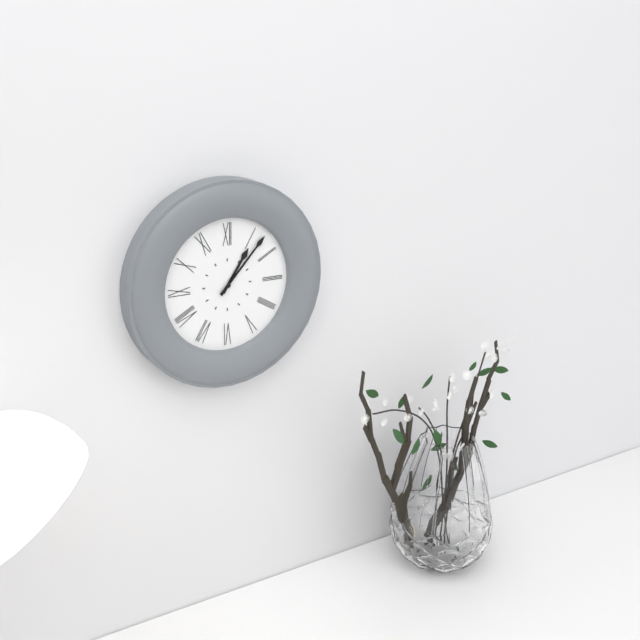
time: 1:07
